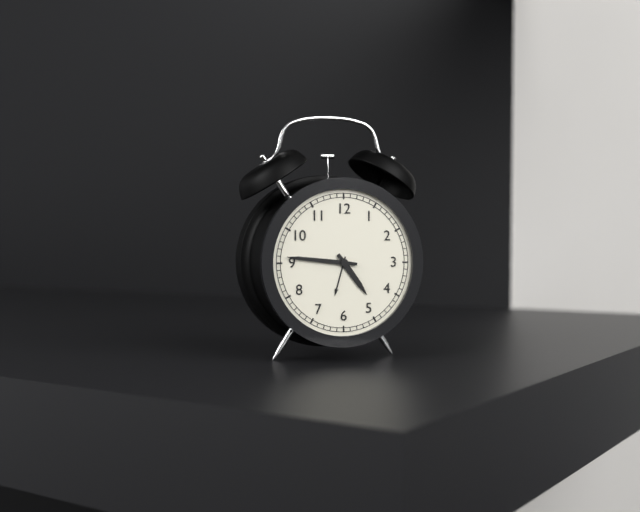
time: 4:46
